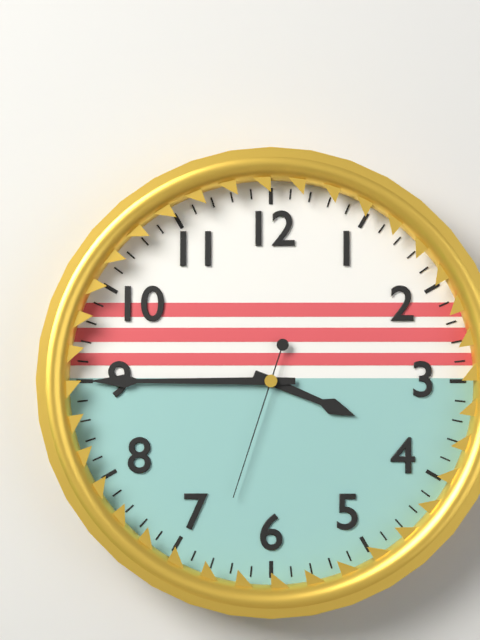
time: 3:45:33
